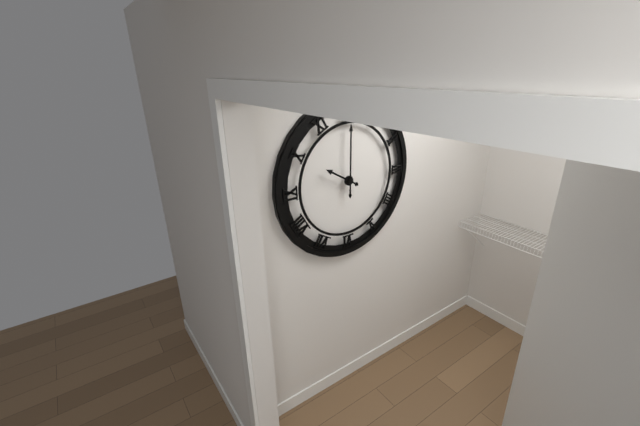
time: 10:00
